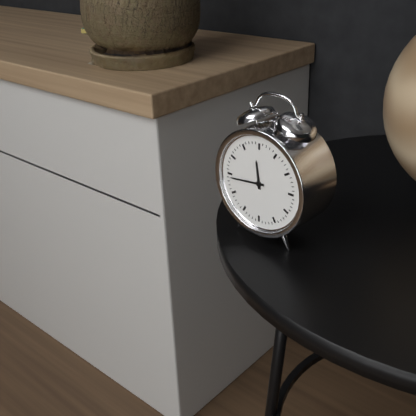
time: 11:44
